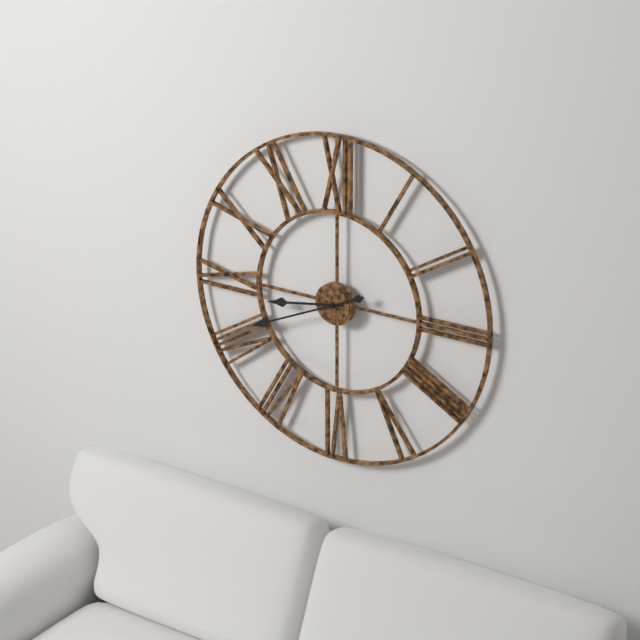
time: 8:41
